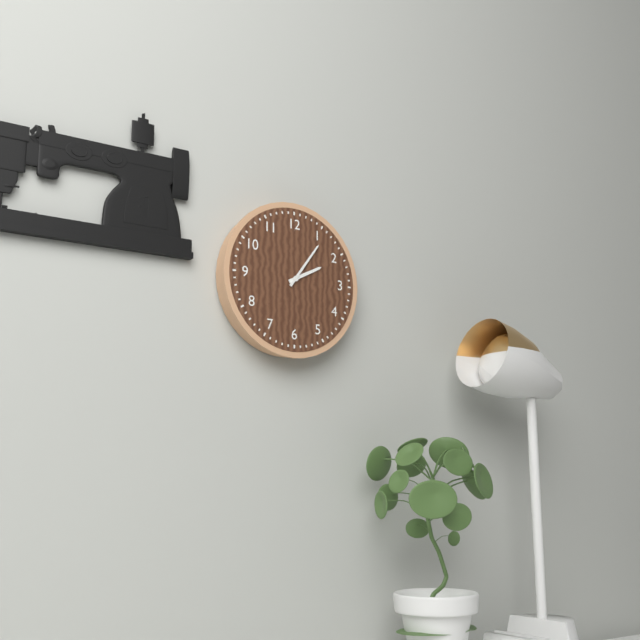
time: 2:06
